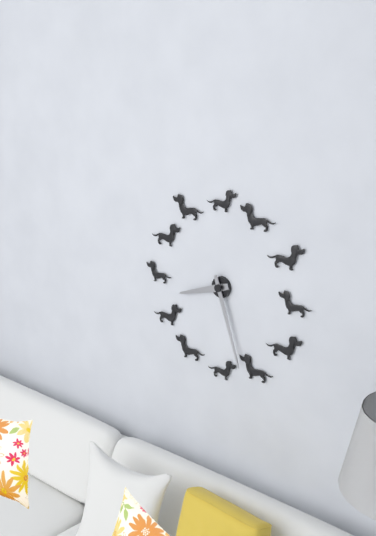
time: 8:27
